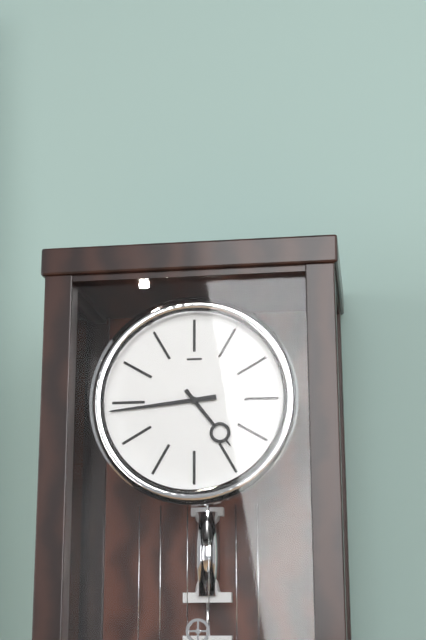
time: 4:44
